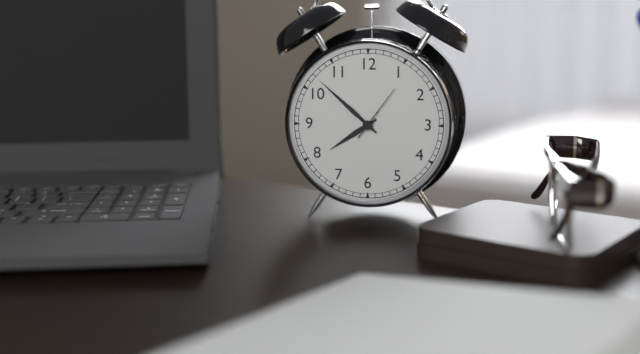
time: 7:52:06
